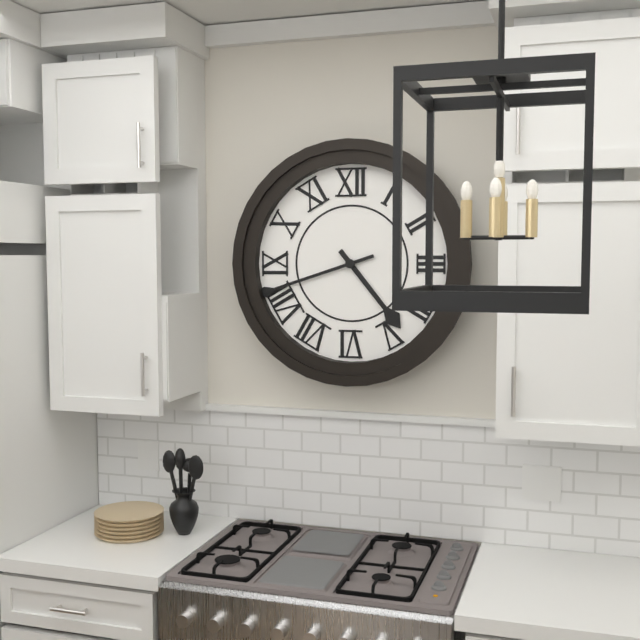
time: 4:42
